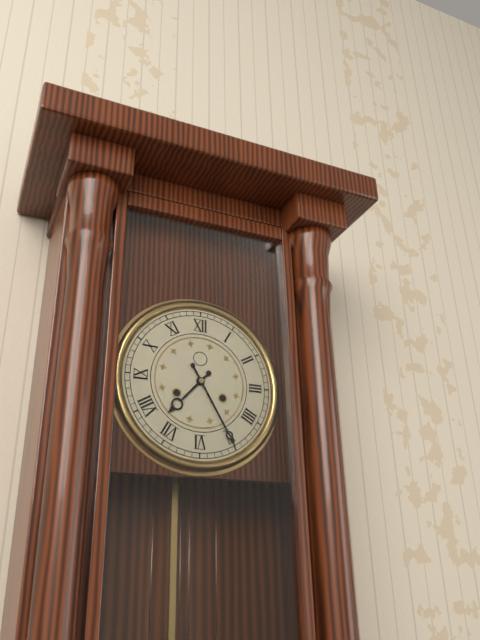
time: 7:25
